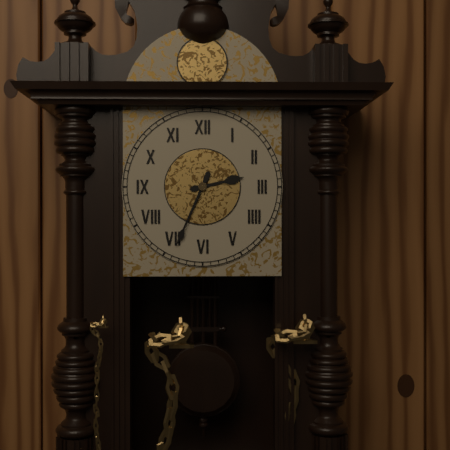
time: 2:34
